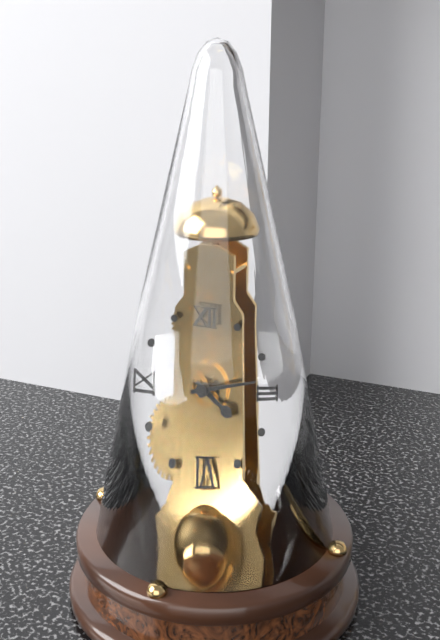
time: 4:13
